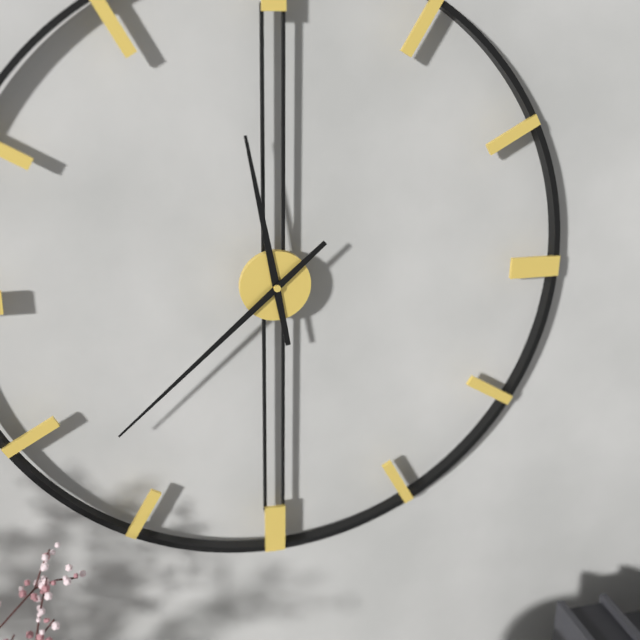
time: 11:38
